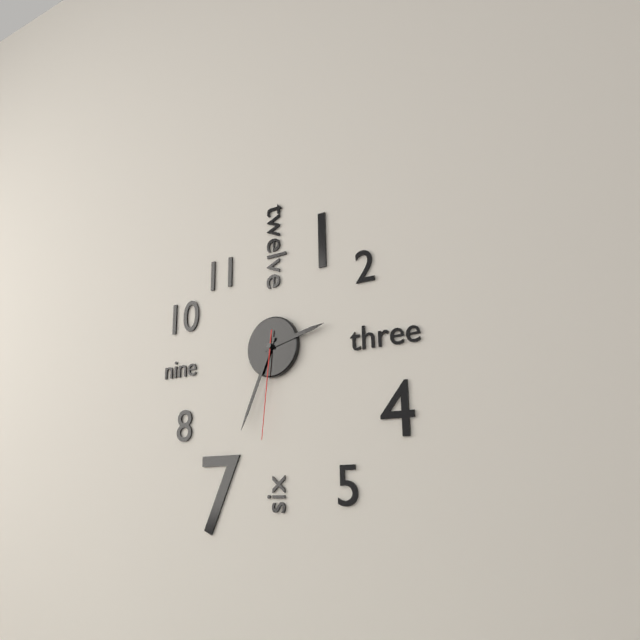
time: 2:34:31
